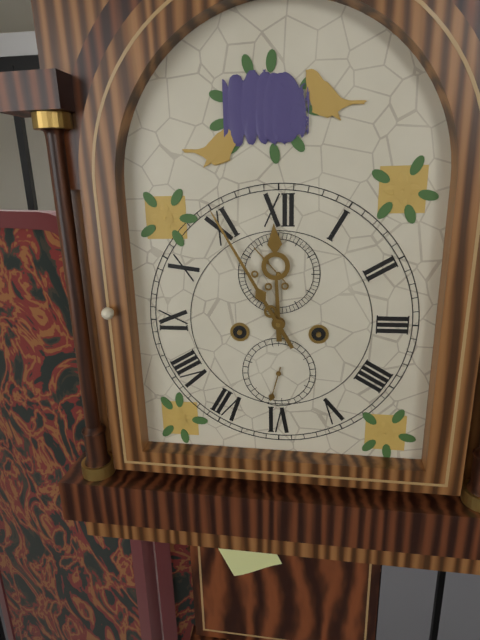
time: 11:55
